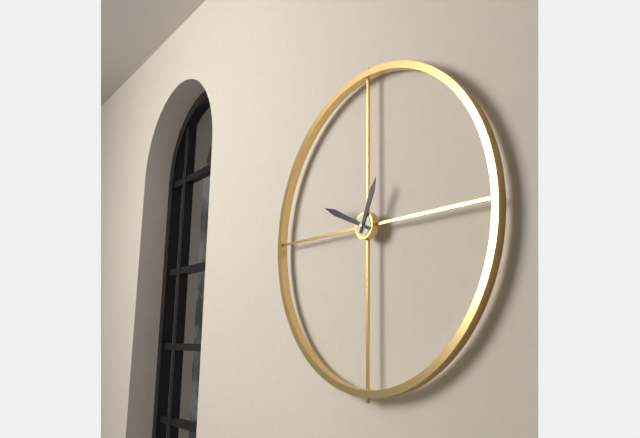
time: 12:49
